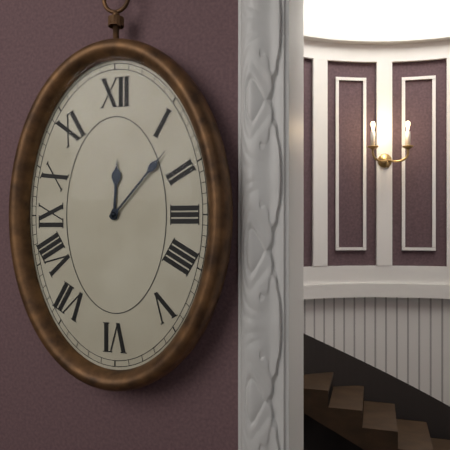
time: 12:07
